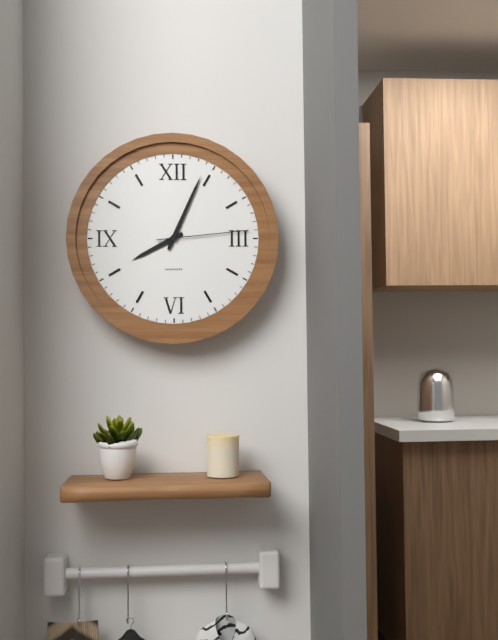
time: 8:04:14
